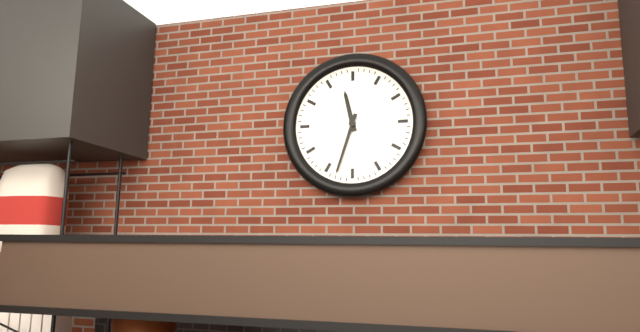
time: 11:33
